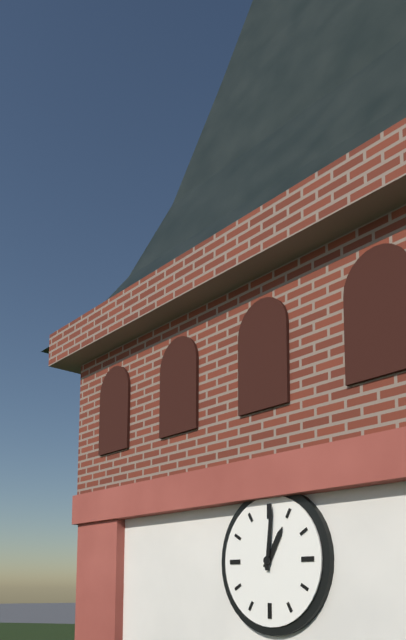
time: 1:01
